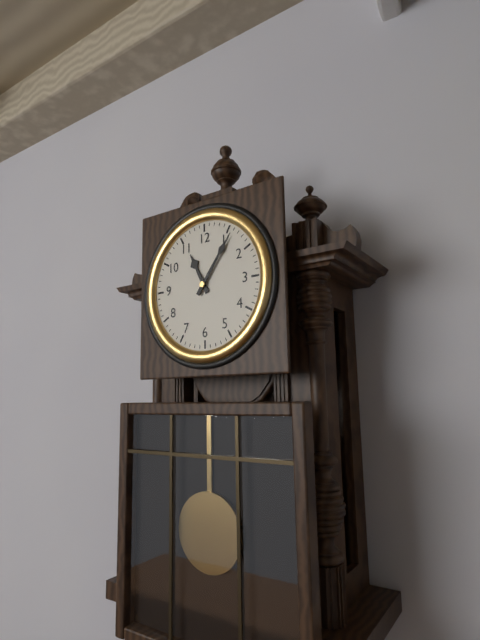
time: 11:06
